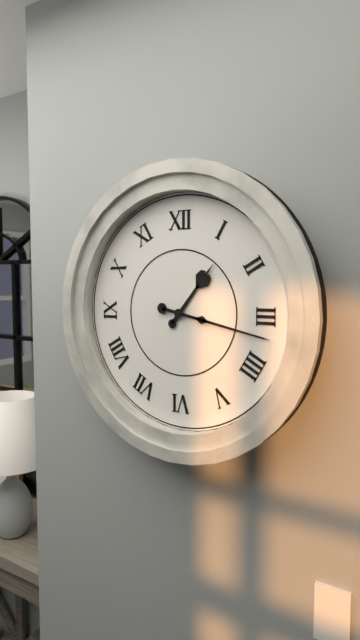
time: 1:17
